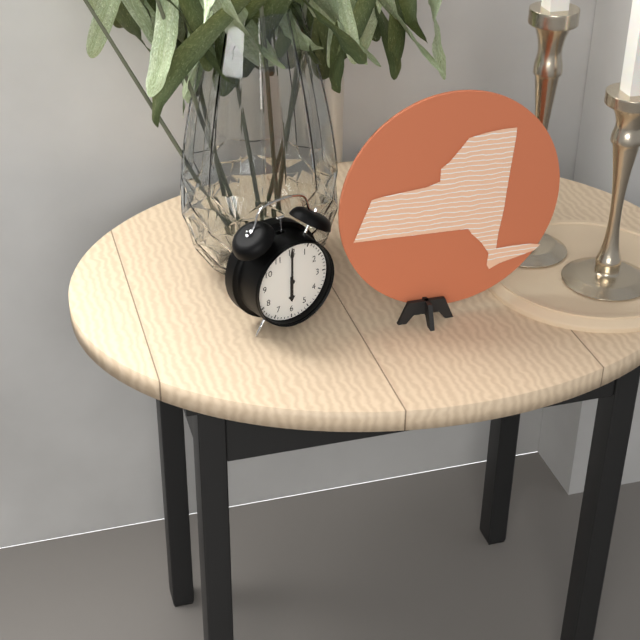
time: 6:00
